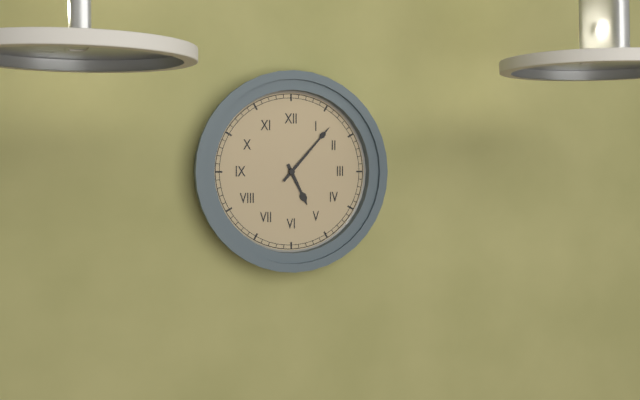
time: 5:07
